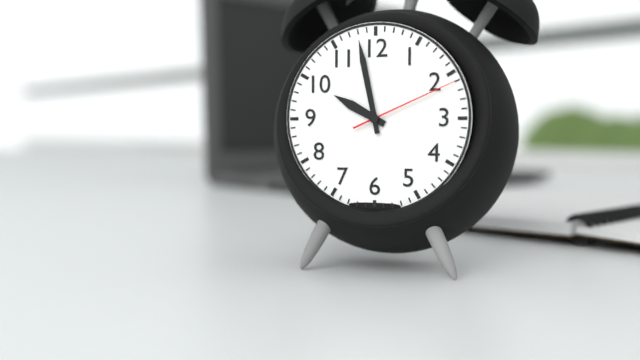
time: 9:58:11
